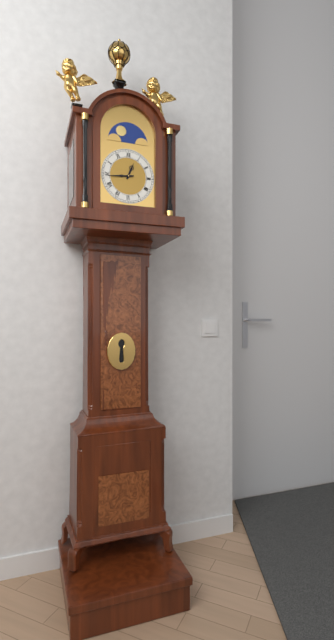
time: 12:44
